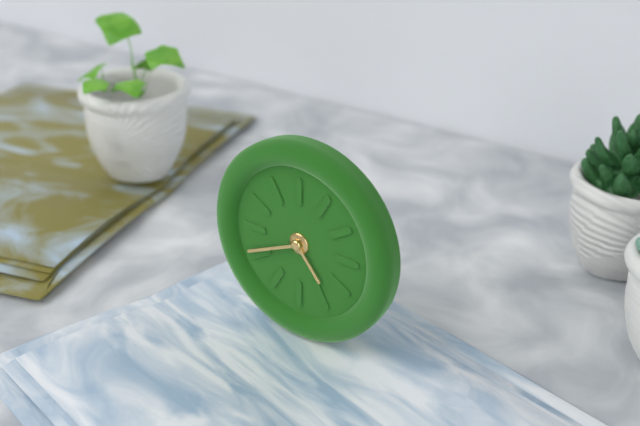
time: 4:41
